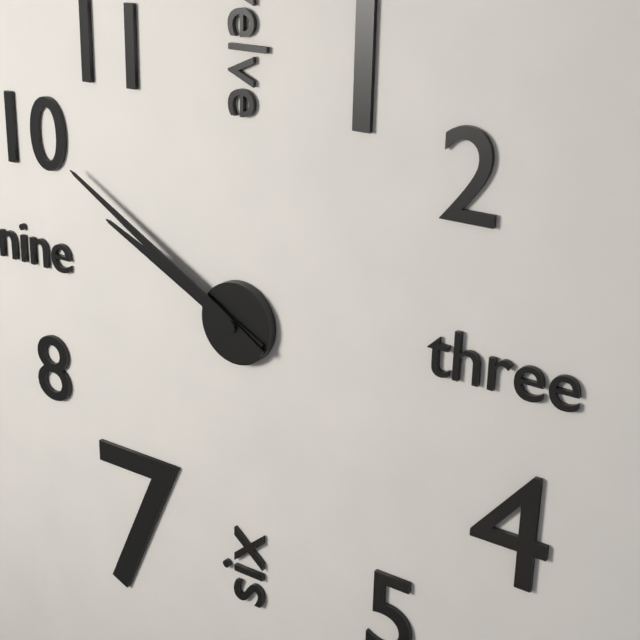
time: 9:50
